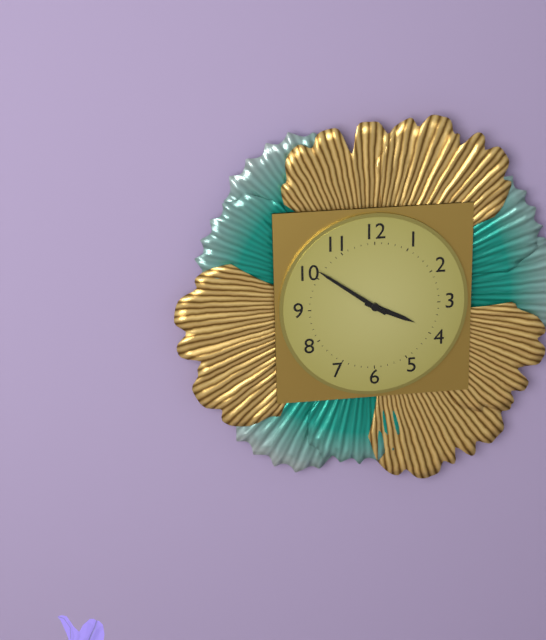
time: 3:51
